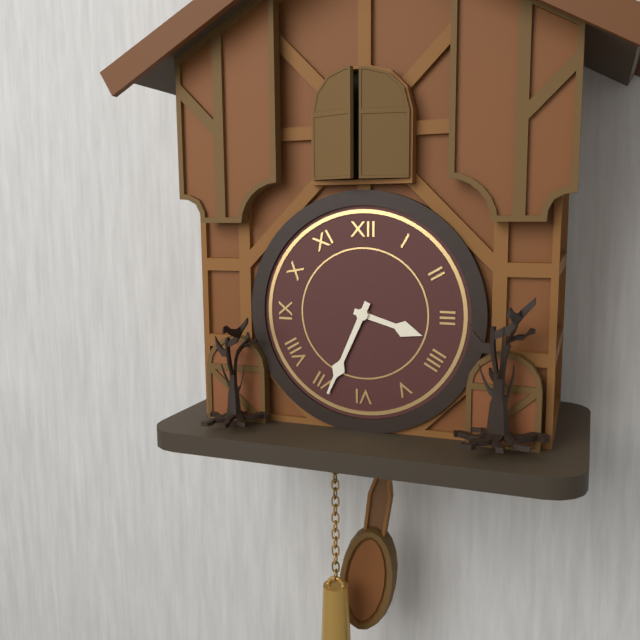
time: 3:34
